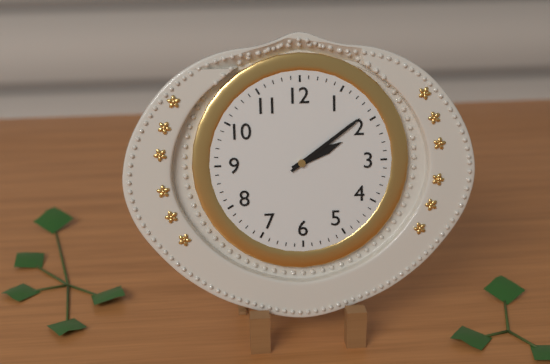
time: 2:09
